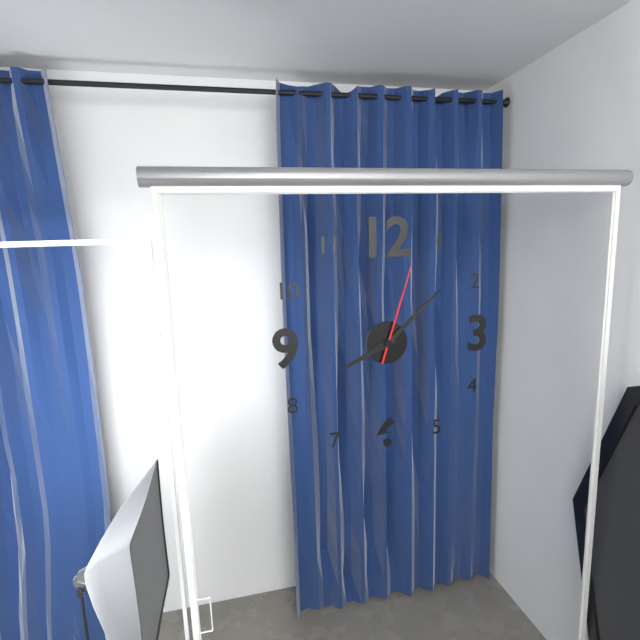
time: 8:08:03
